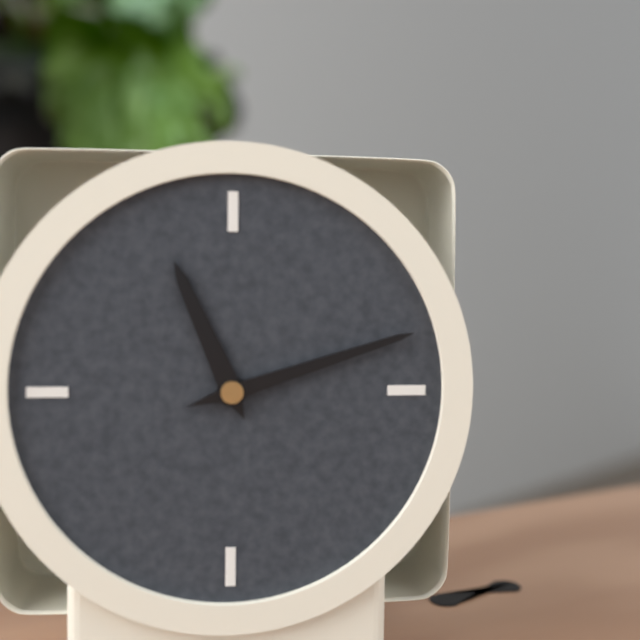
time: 11:12
